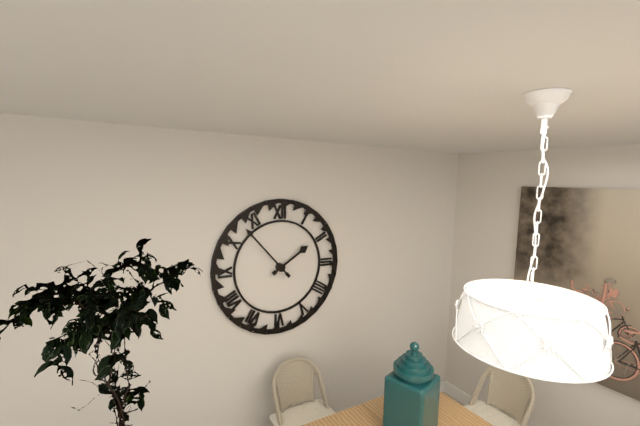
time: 1:53
